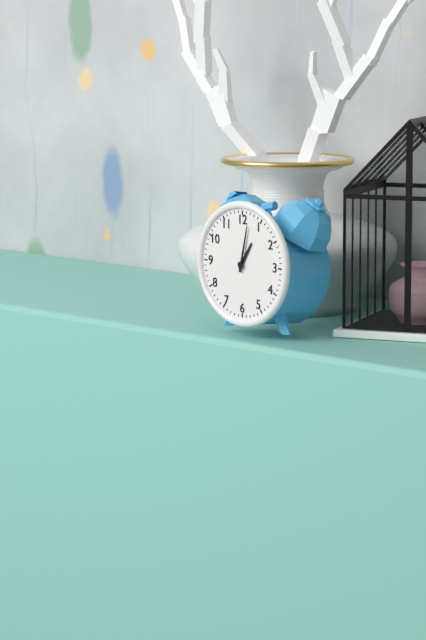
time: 1:02
